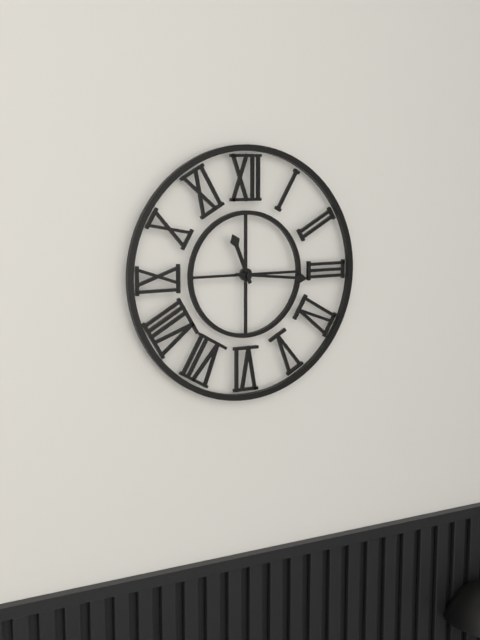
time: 11:16
